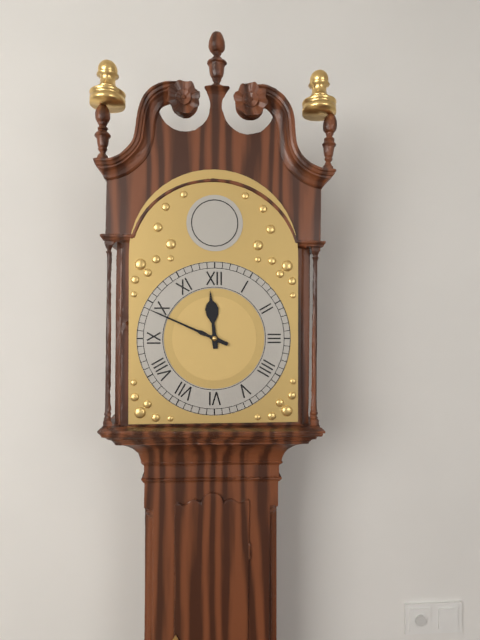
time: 11:49
